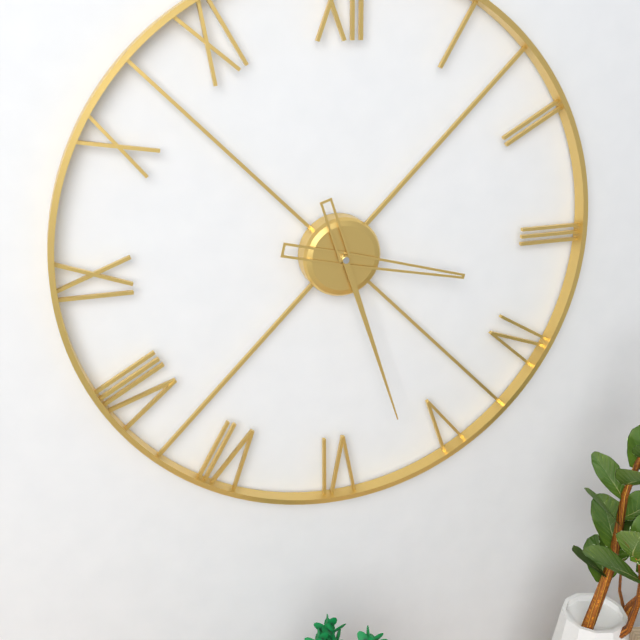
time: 3:27
